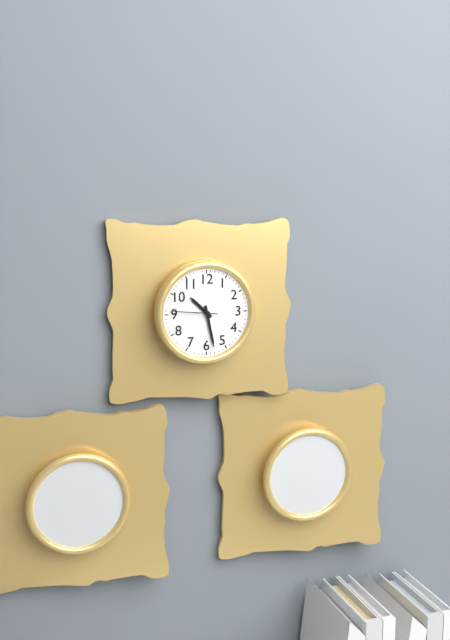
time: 10:28
